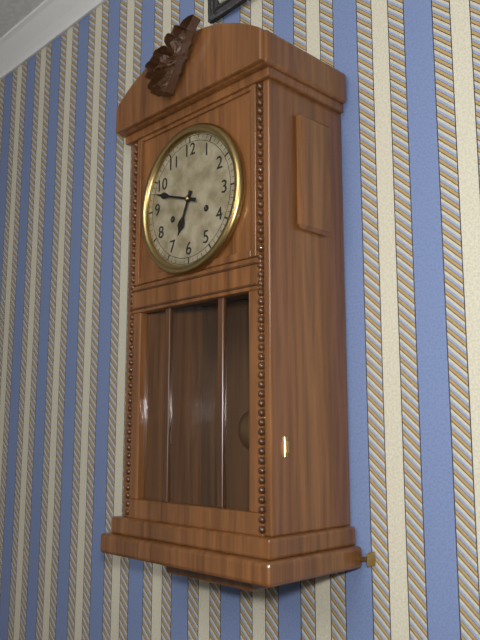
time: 6:48
